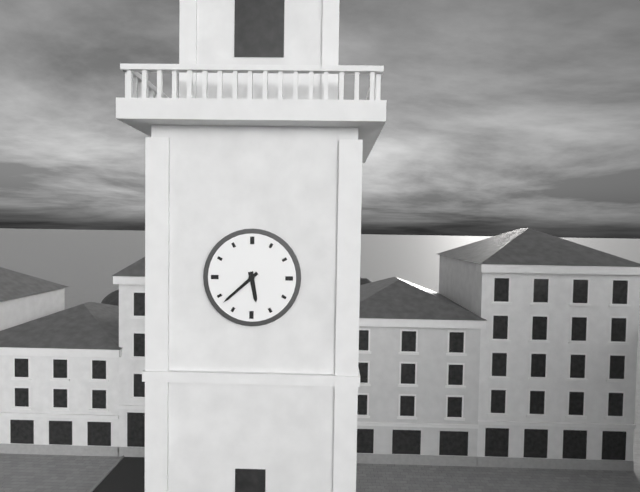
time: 5:38
